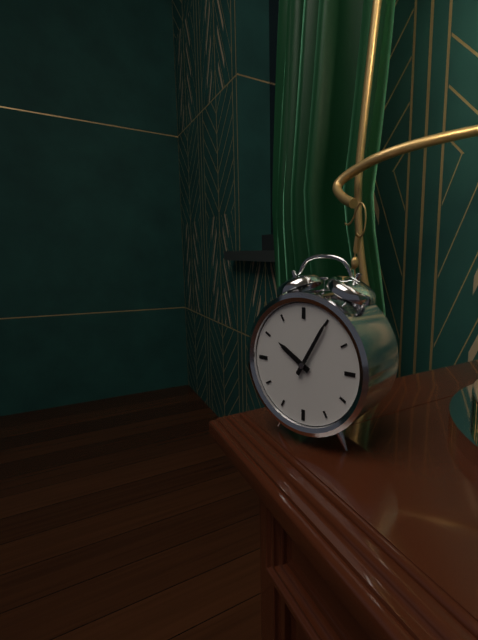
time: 10:05
